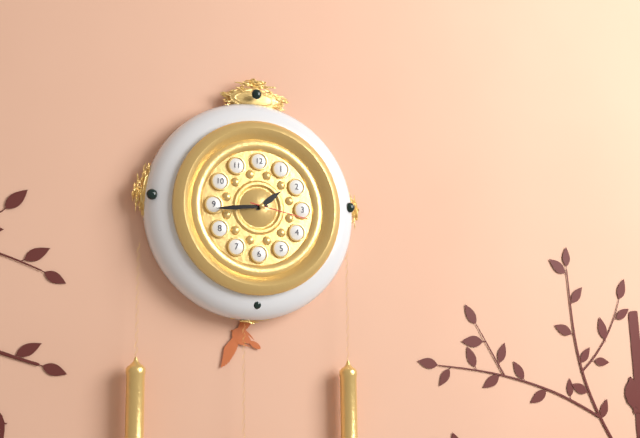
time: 1:44:17
